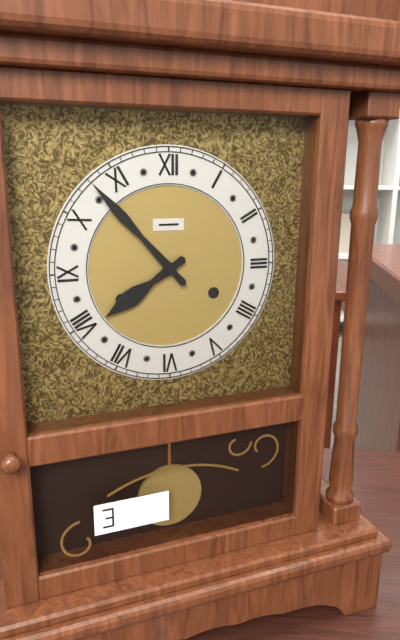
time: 7:53
